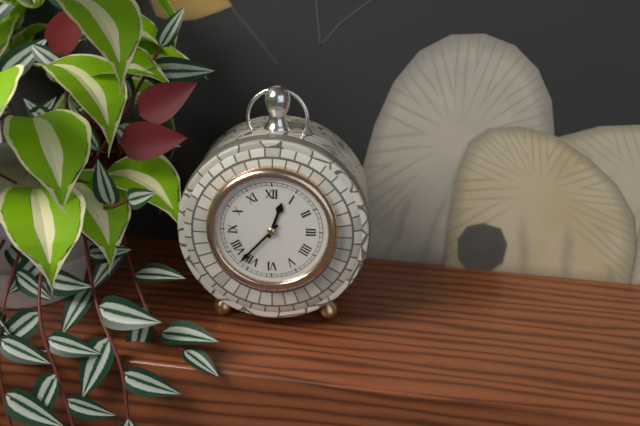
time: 12:37
